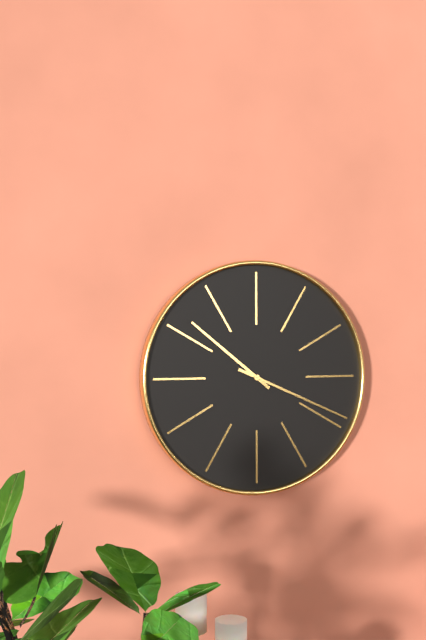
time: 10:19
